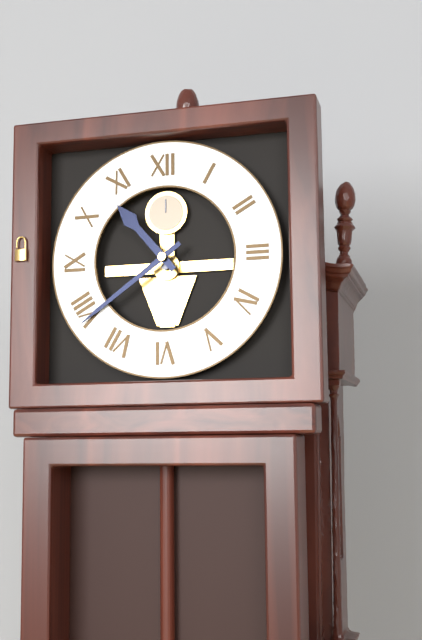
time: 10:39
